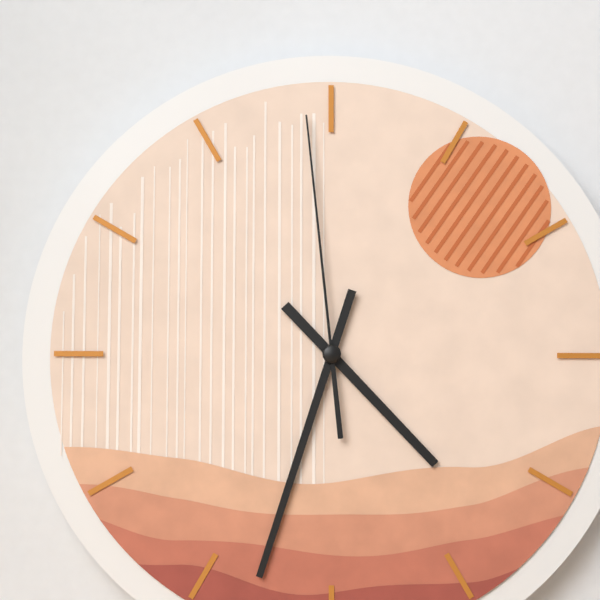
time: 4:33:59
